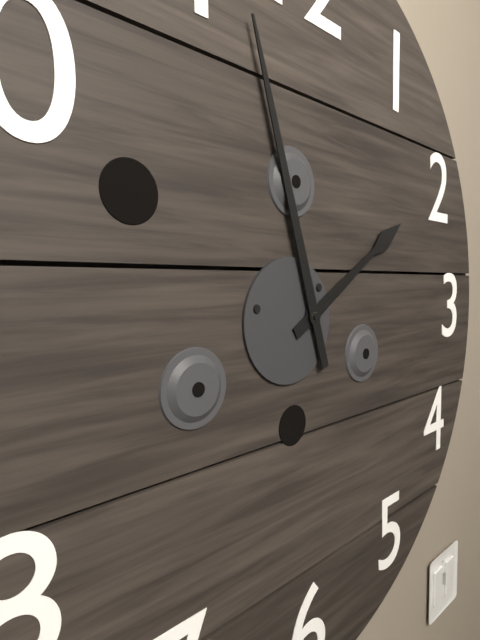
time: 1:57
